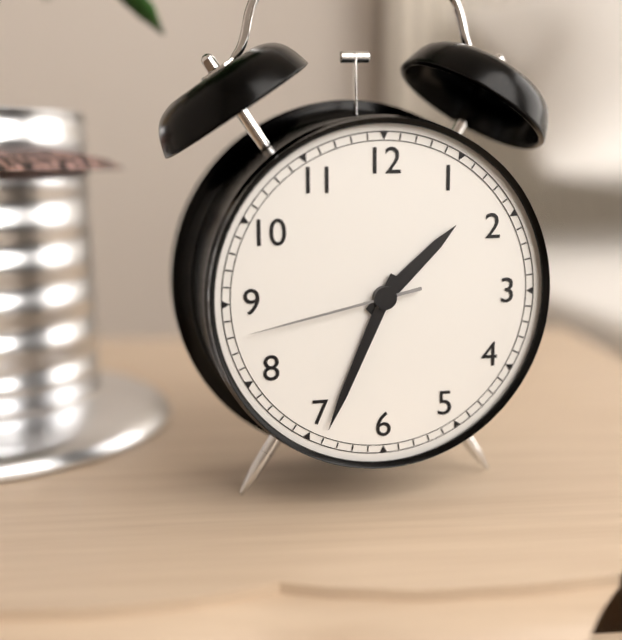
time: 1:34:43
